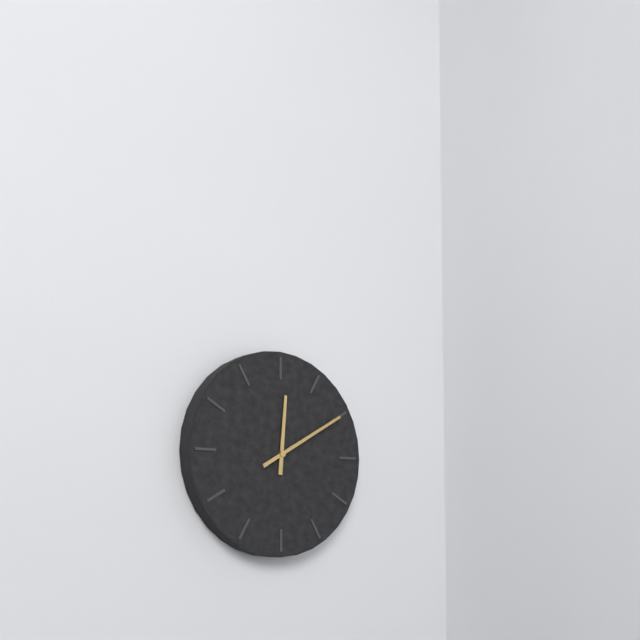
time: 12:10
